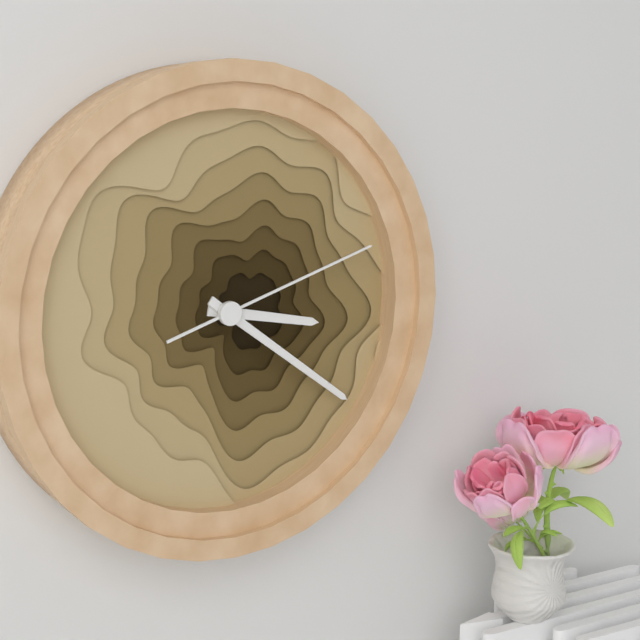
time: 3:21:12
